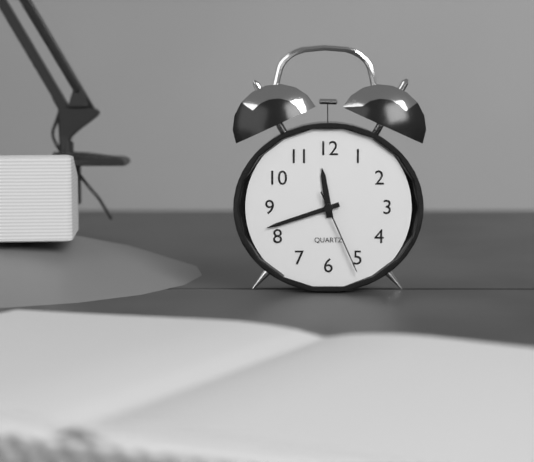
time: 11:42:26
